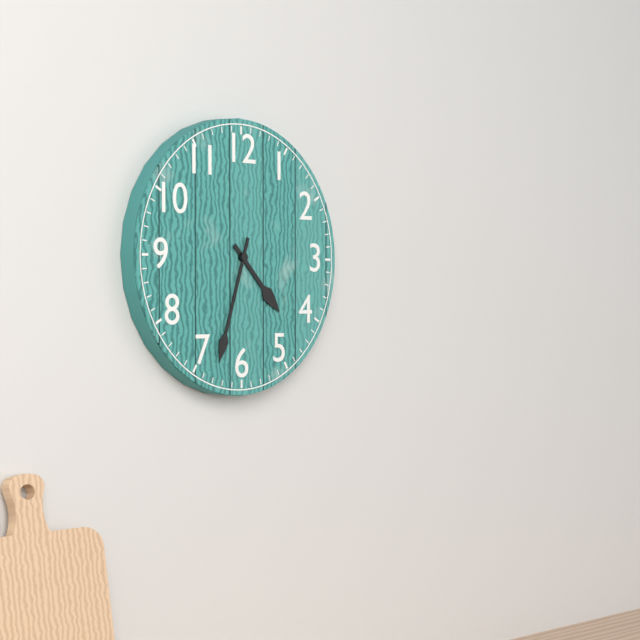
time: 4:33
